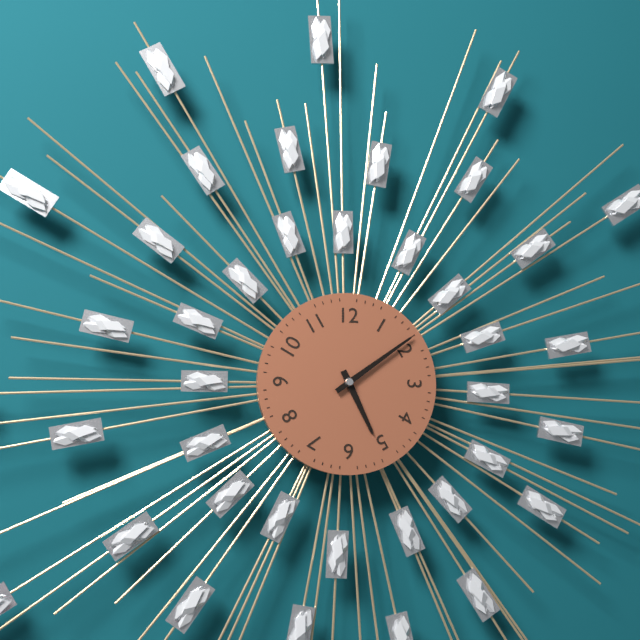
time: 5:09
